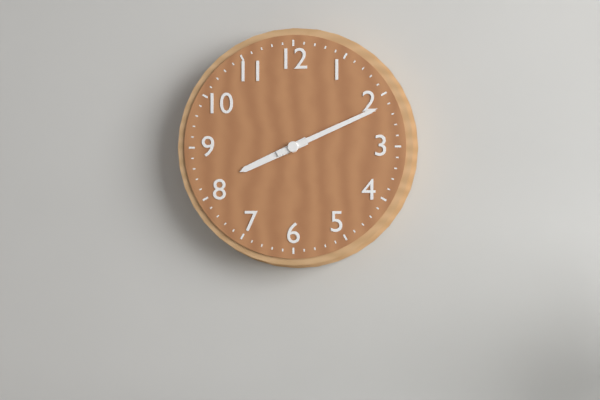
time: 8:11
